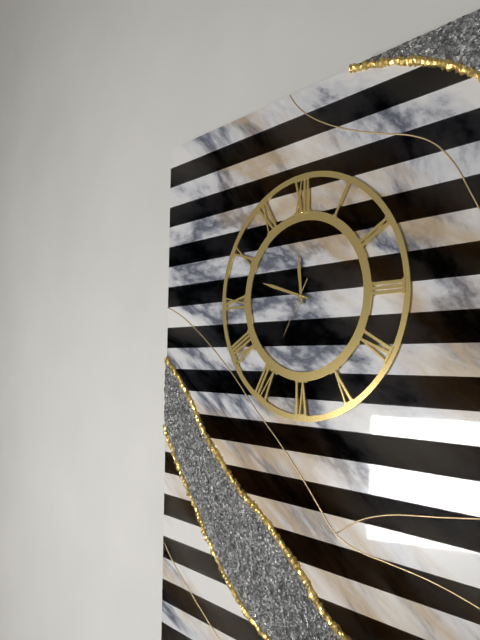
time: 11:48:35
